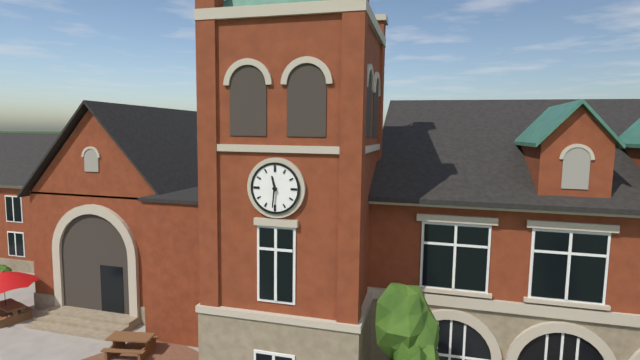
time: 11:31
